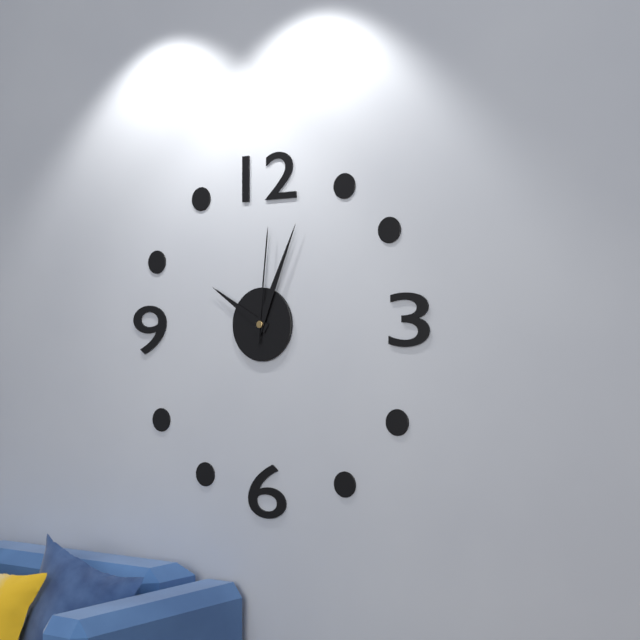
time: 10:04:01
